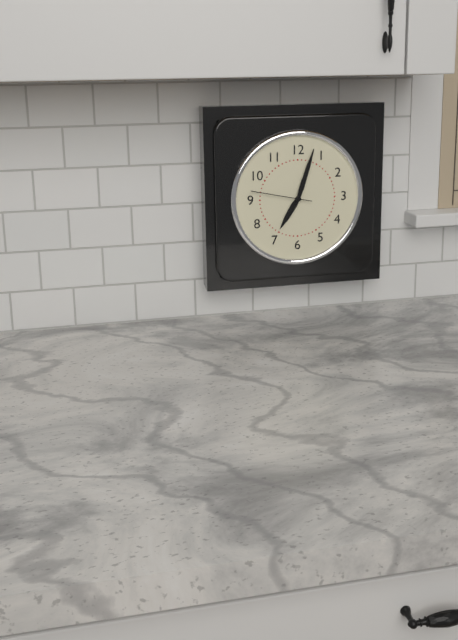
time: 7:03:47
